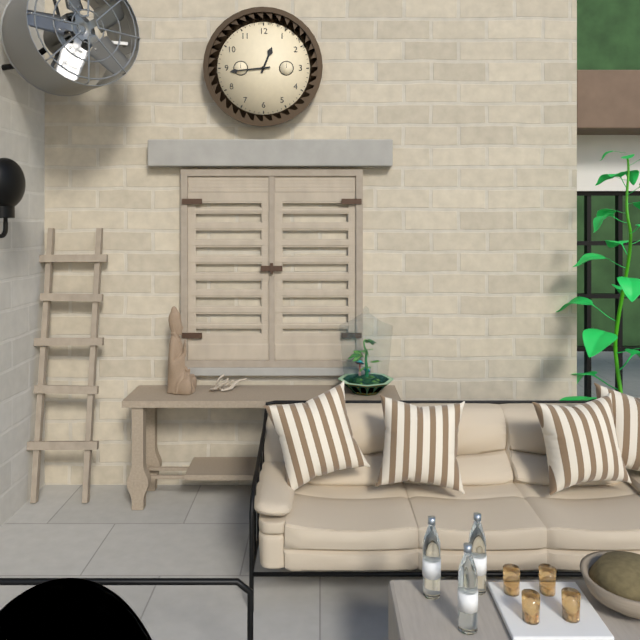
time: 12:44
